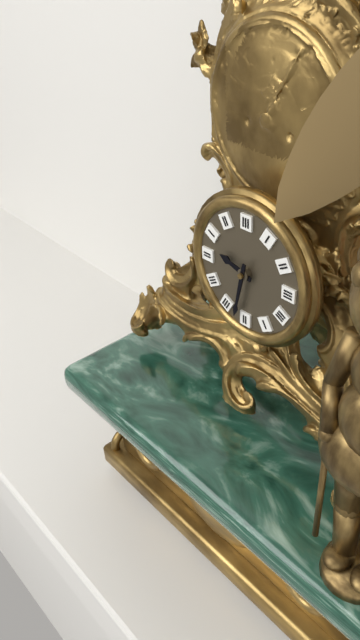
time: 9:32
